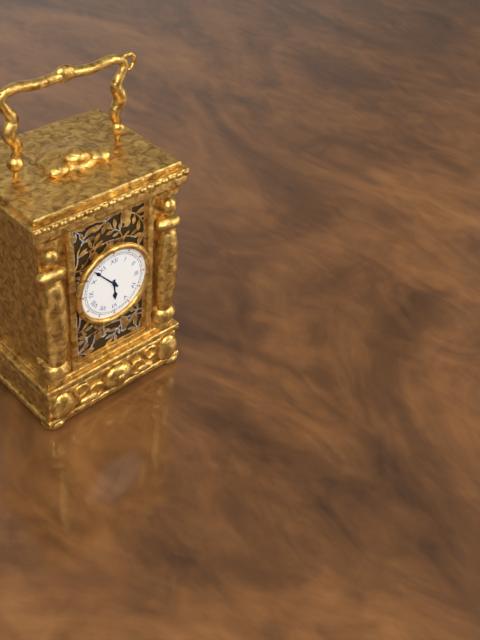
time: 5:53
